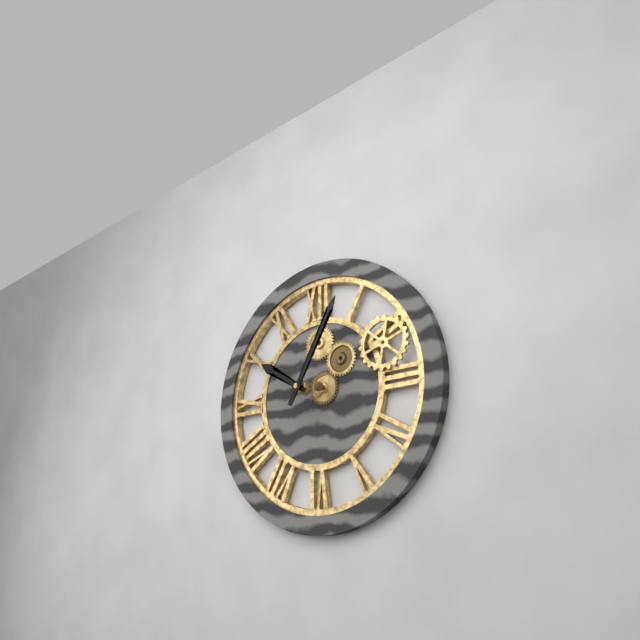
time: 10:05
